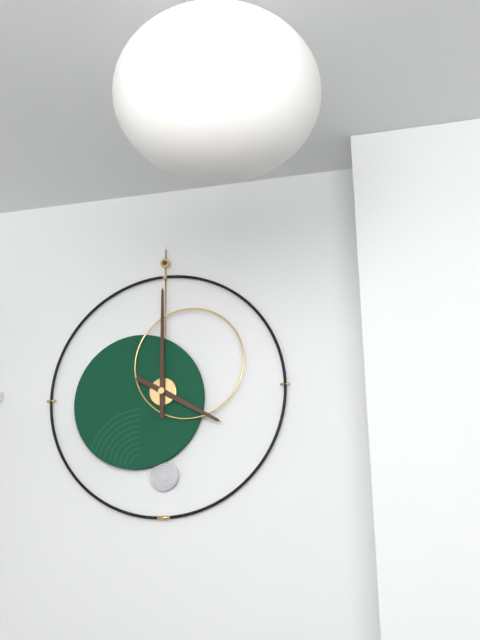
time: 4:00
